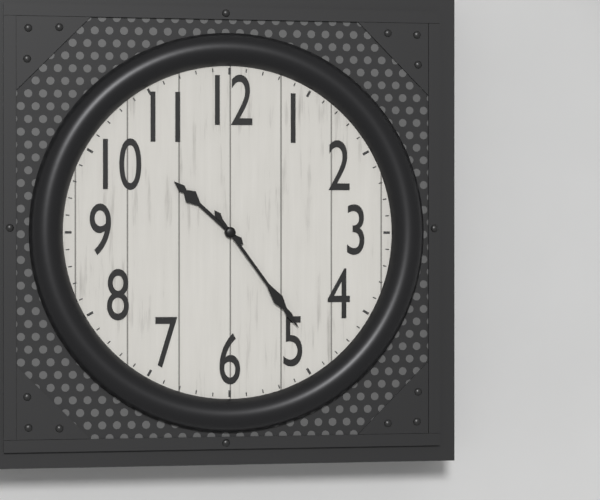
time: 10:24
